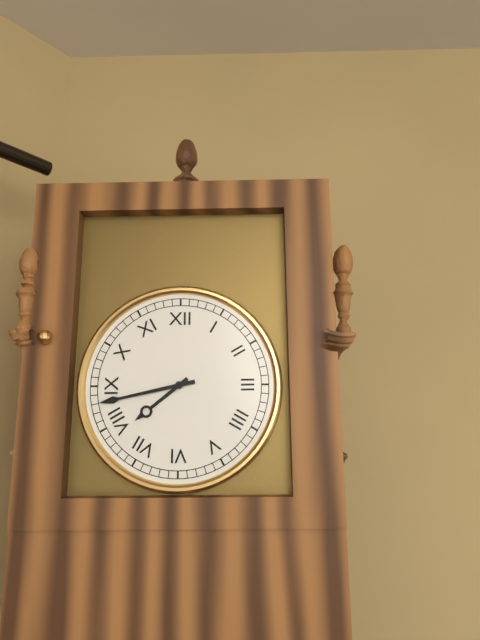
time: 7:43
